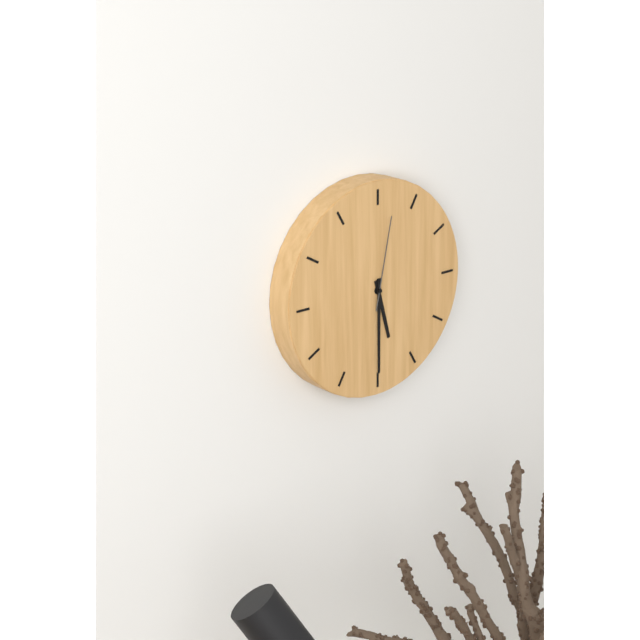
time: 5:30:02
